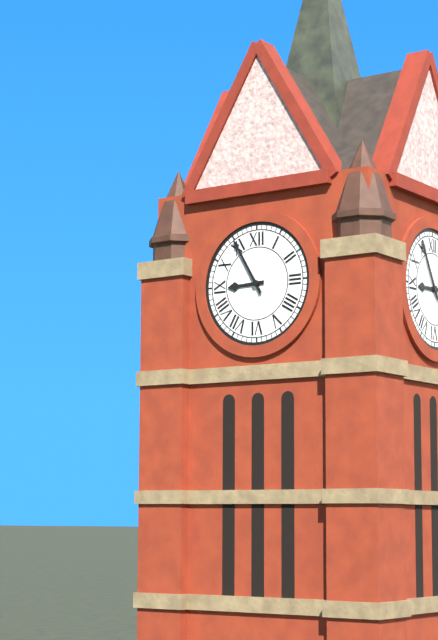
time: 8:55
